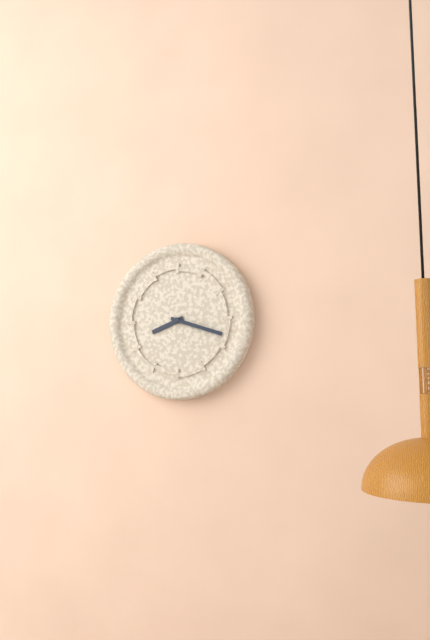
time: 8:18
